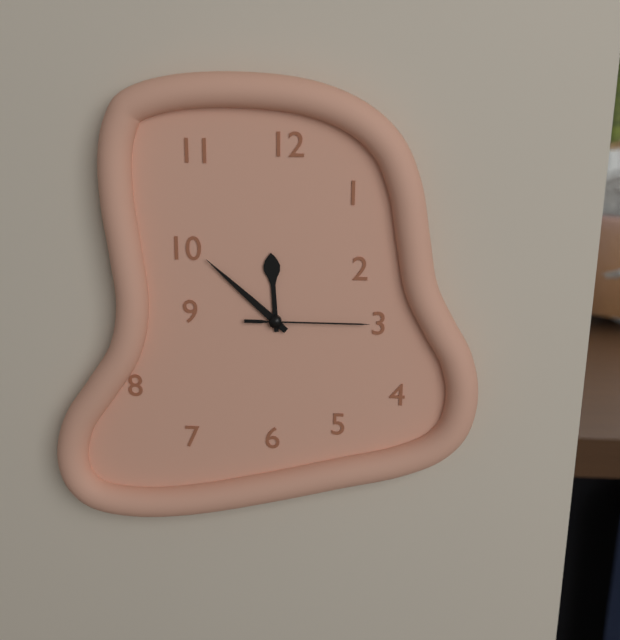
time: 11:52:15
